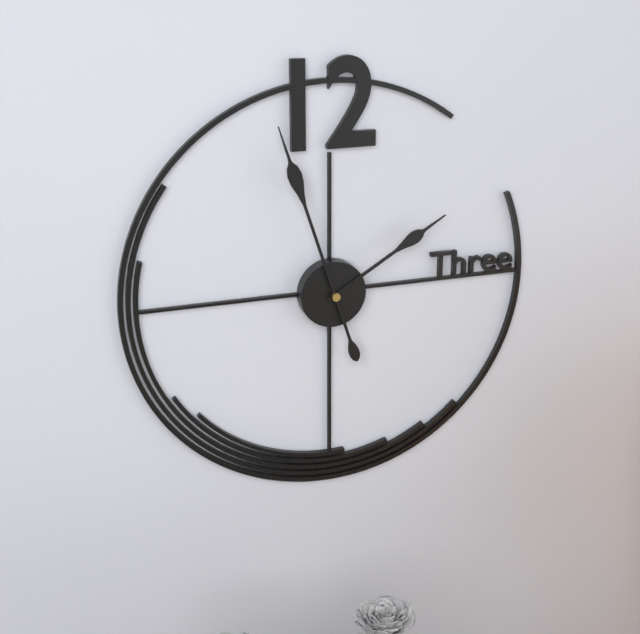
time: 1:57
